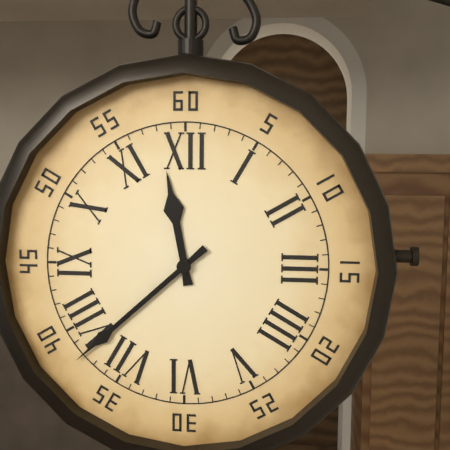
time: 11:38
